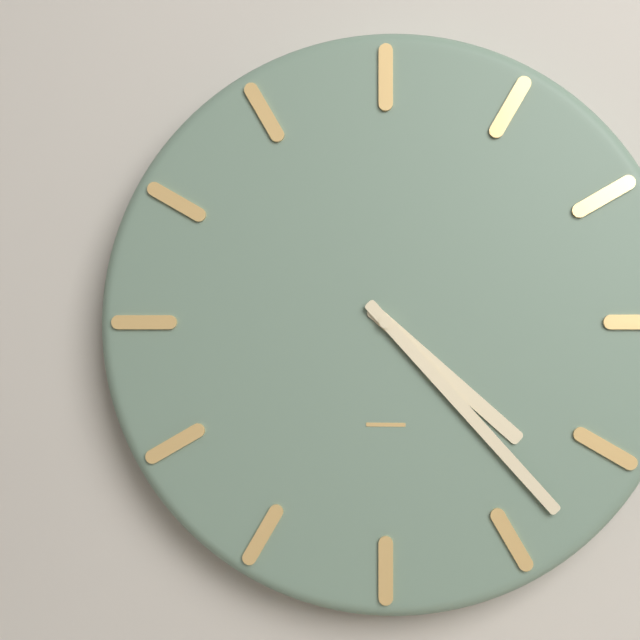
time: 4:23
